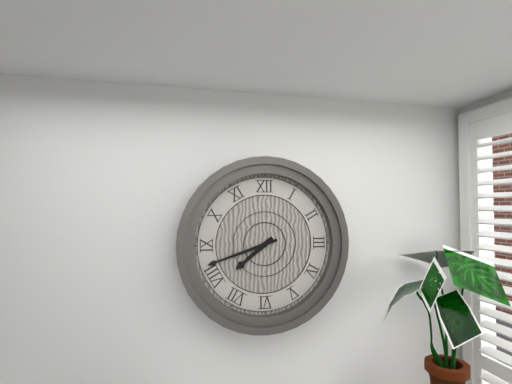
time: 7:42
